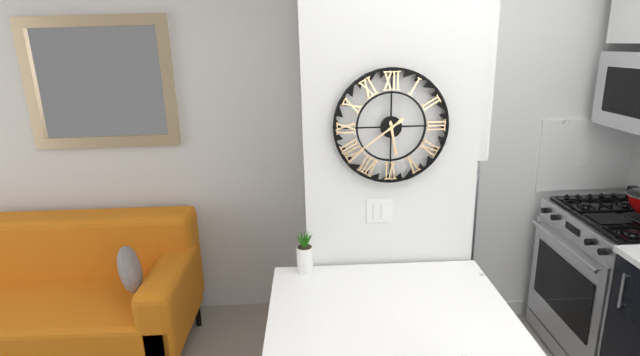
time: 5:39
